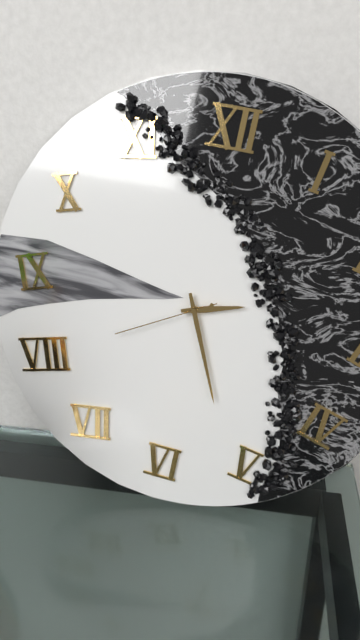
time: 2:26:40
